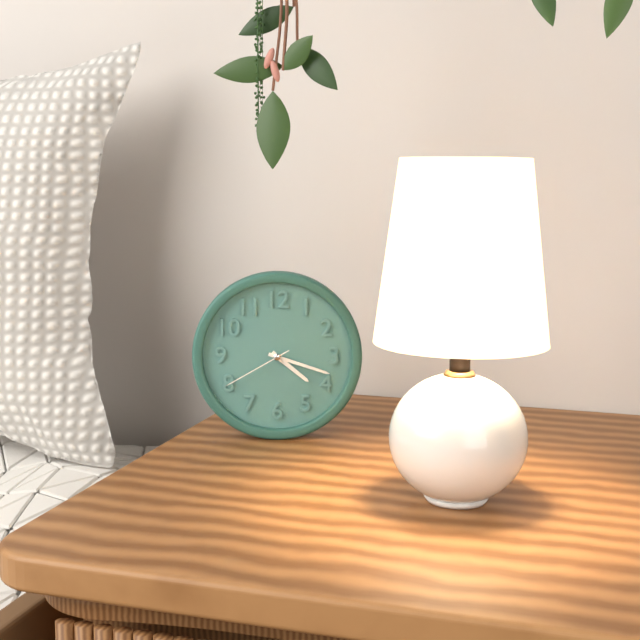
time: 4:18:40
